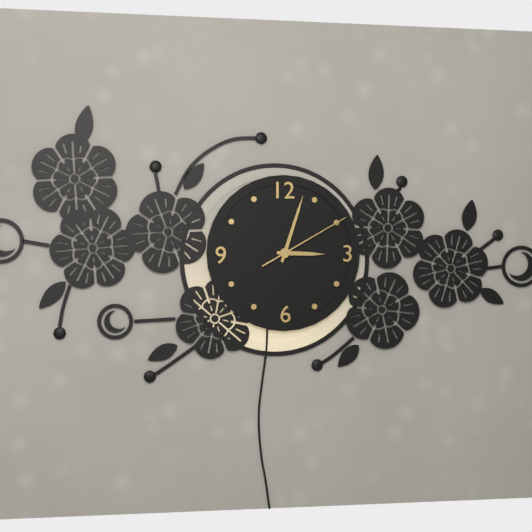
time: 3:03:10
